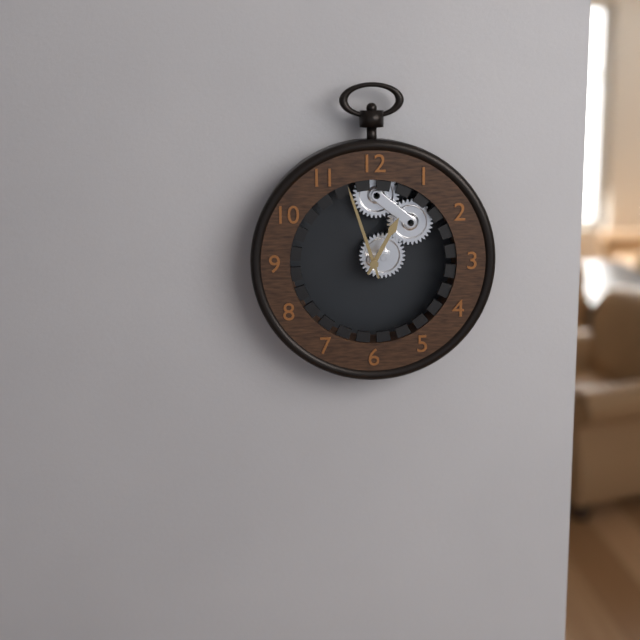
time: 12:57
